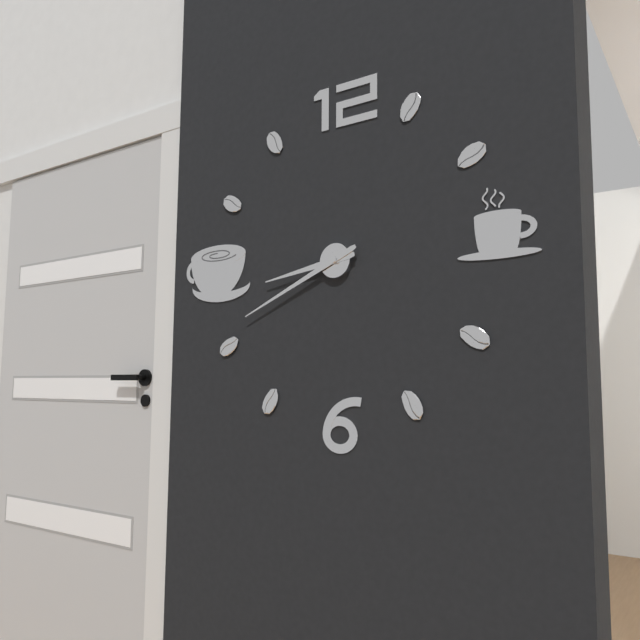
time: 8:41
